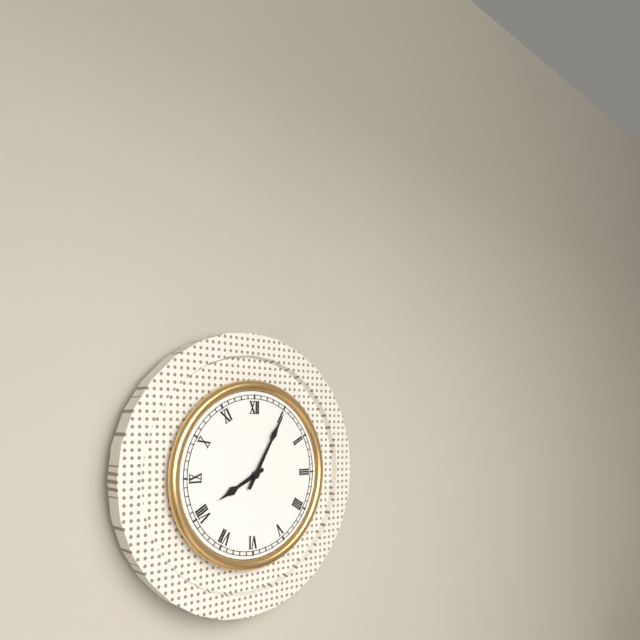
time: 8:05
